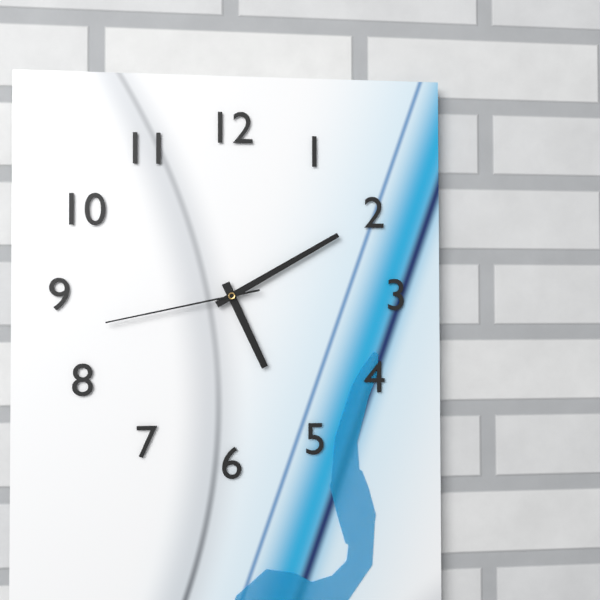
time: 5:10:43
